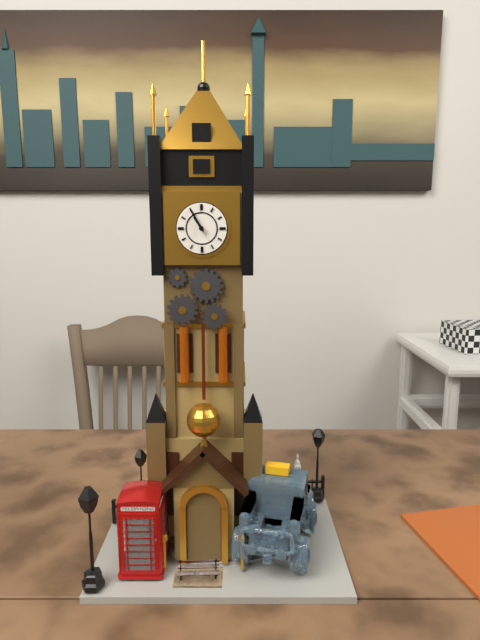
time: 10:55
